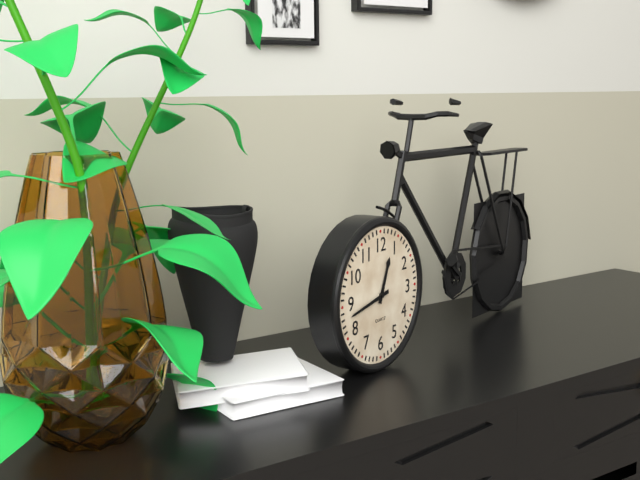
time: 12:43
